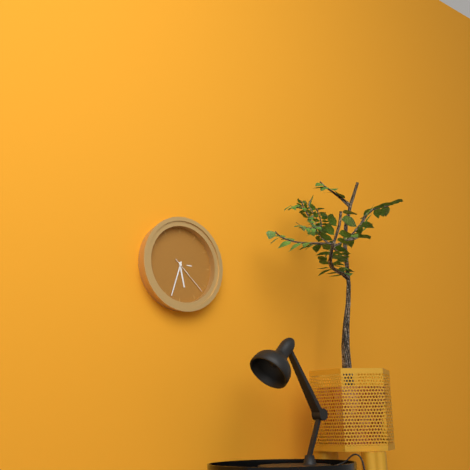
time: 5:33
